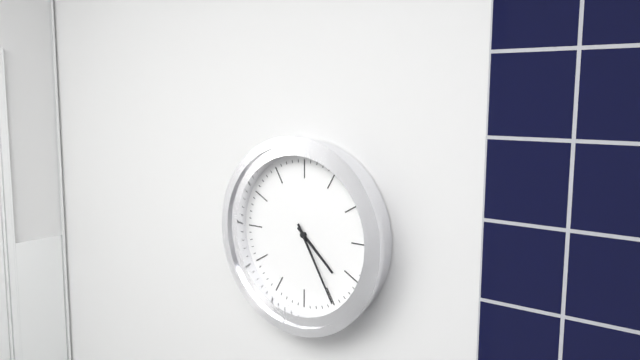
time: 4:25
